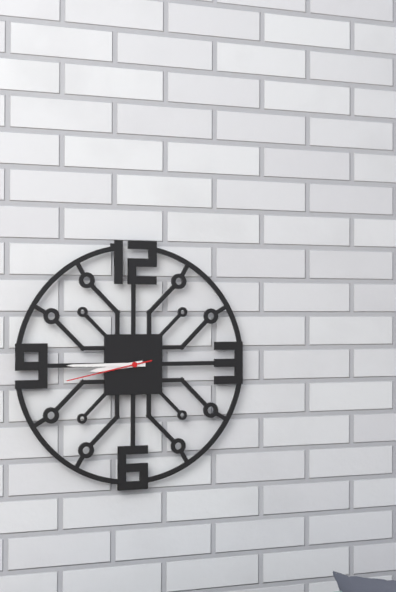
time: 8:45:43
